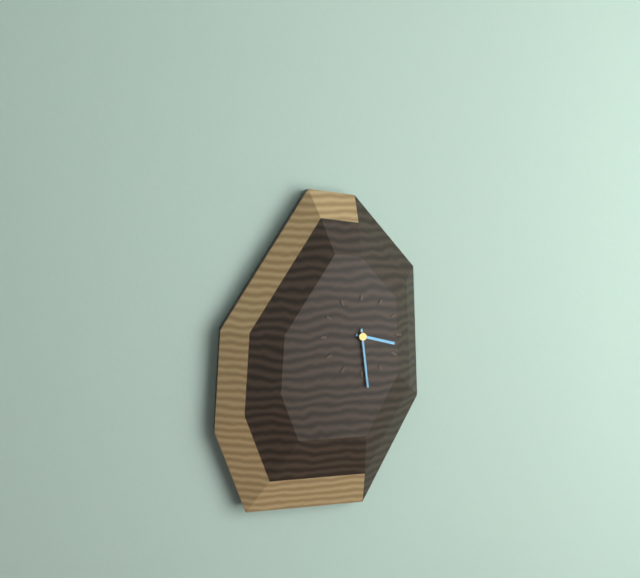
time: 3:29
